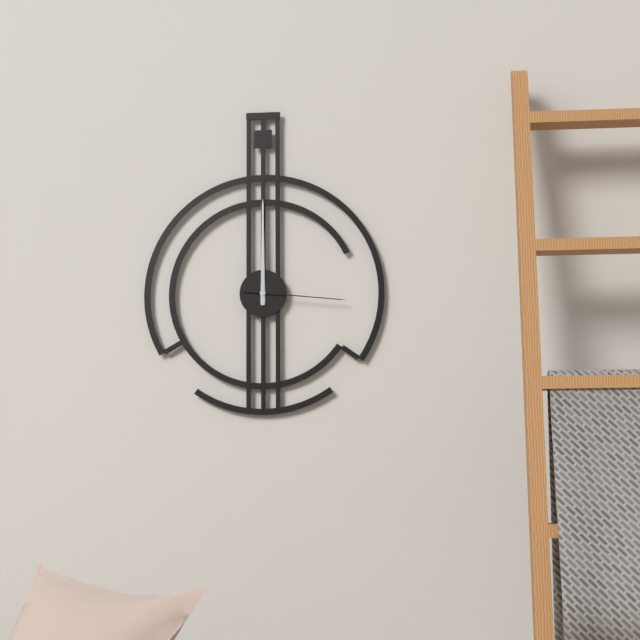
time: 12:00:16
